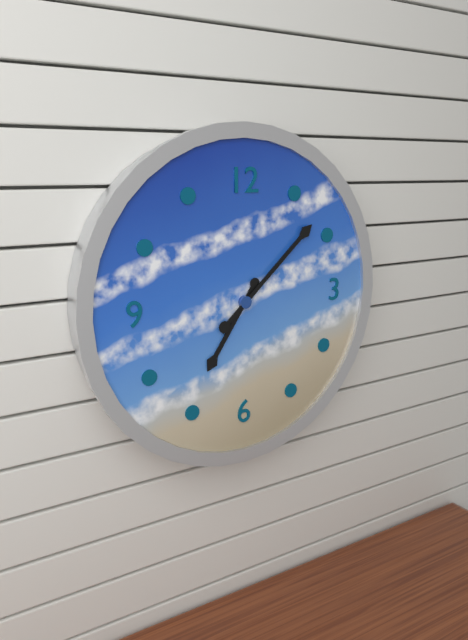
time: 7:08
